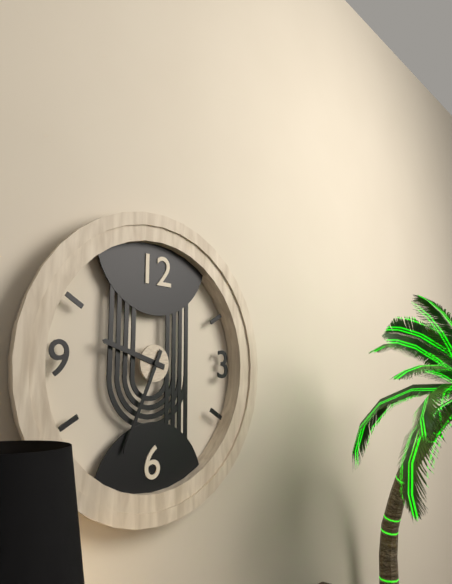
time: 9:34
